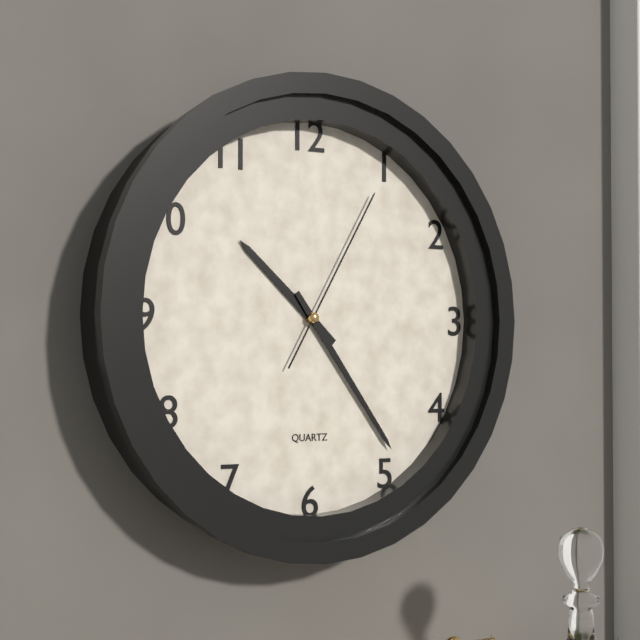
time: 10:24:05
